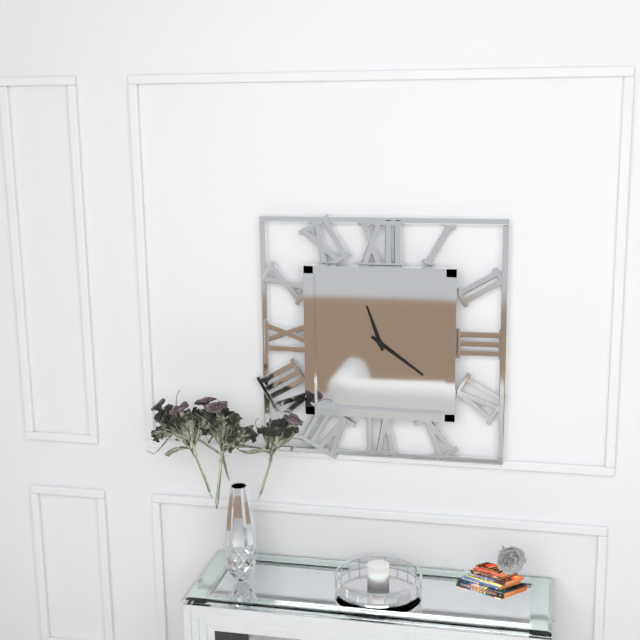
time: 11:21
